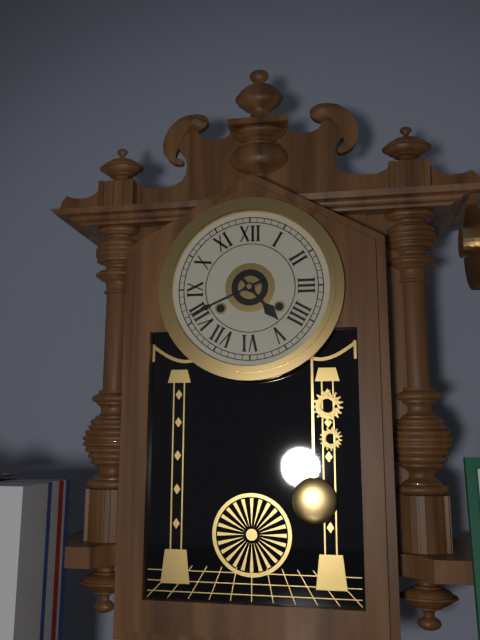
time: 4:41
